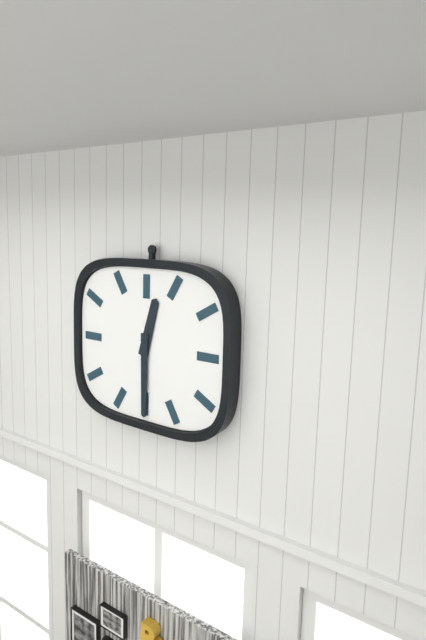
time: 12:30
